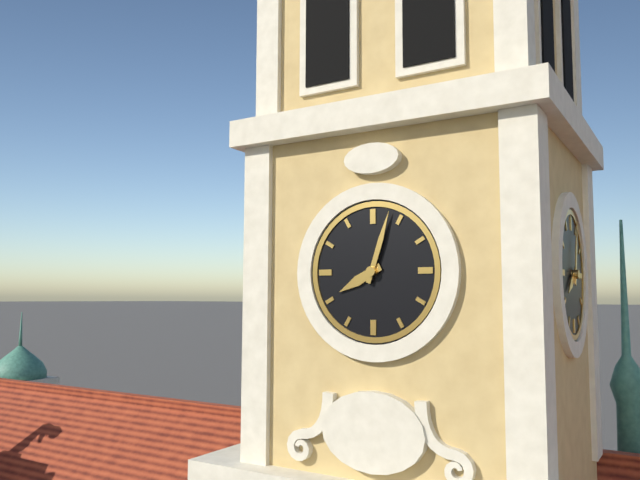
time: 8:03
